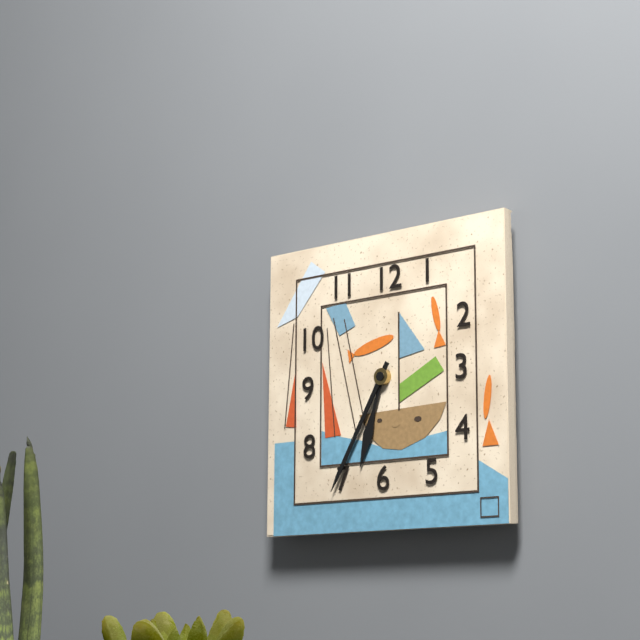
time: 6:35
